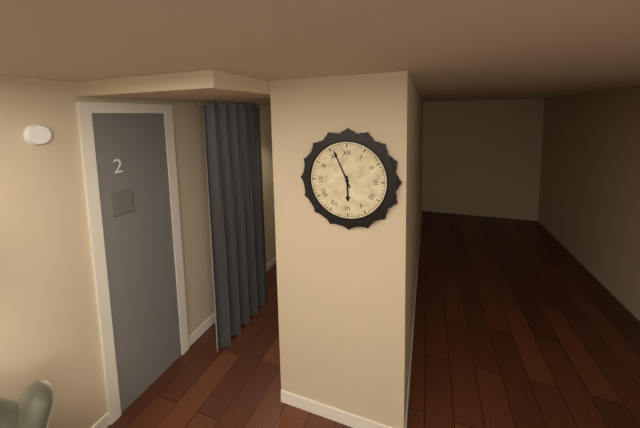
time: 5:56
